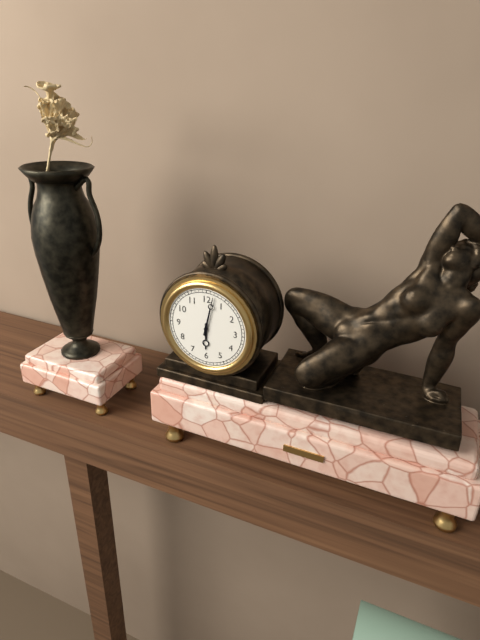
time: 6:02
